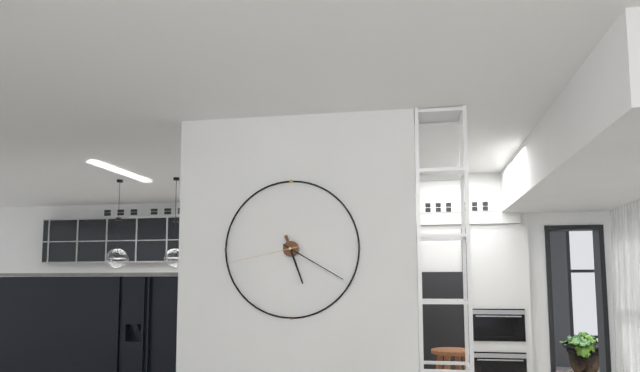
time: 5:20:43
